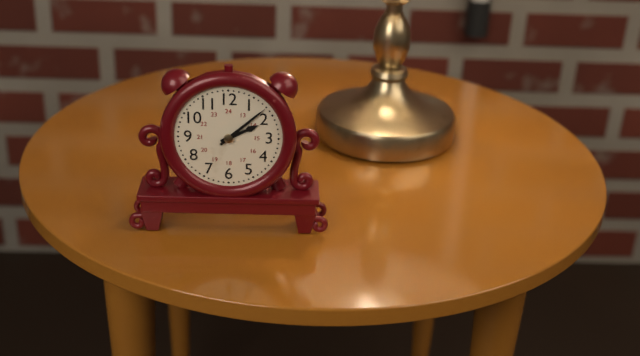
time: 2:08
